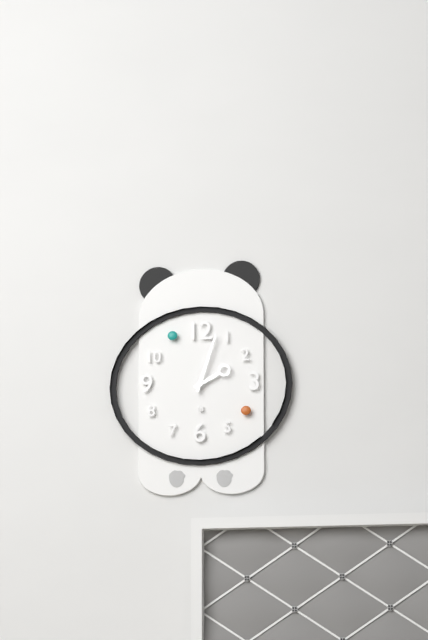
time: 2:03
